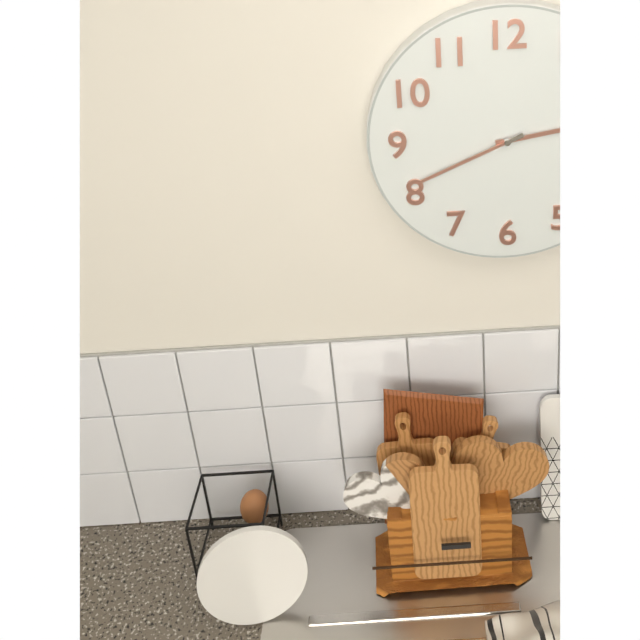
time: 2:41
